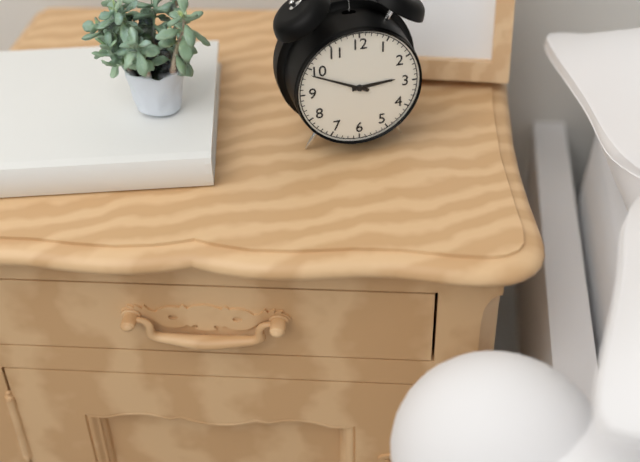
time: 2:49
